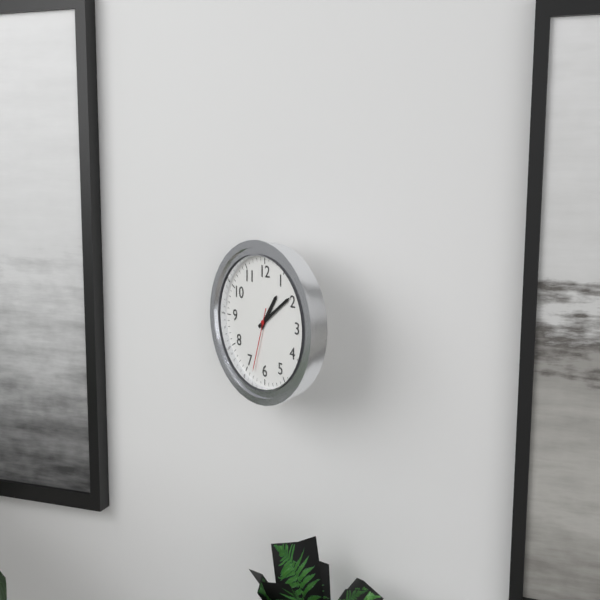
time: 1:09:33
